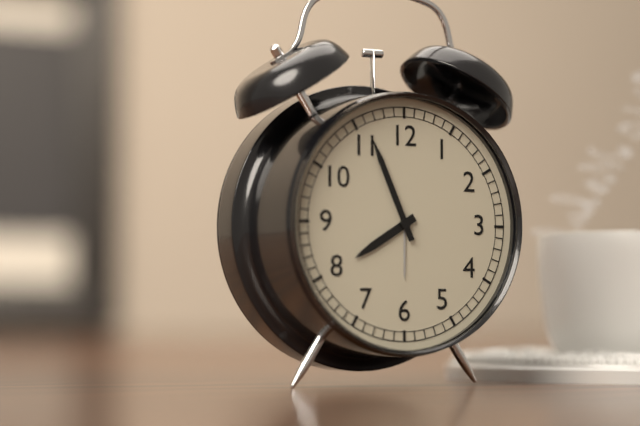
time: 7:56
